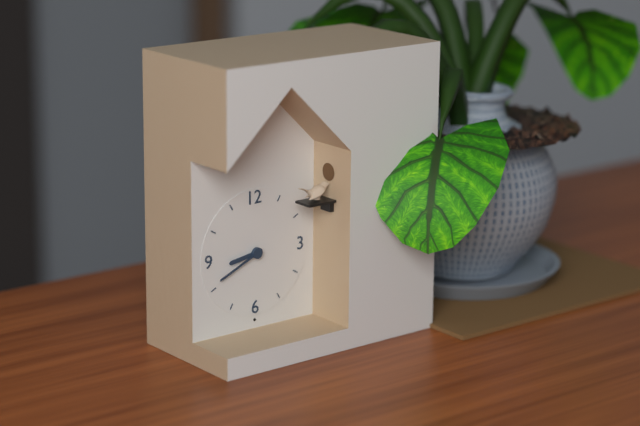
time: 8:41
